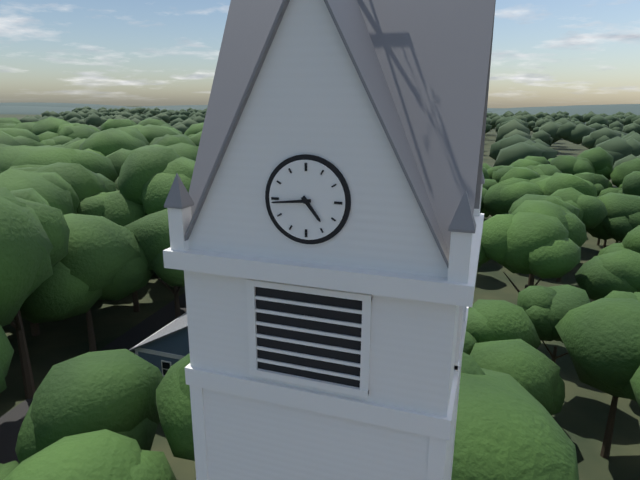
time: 4:44
